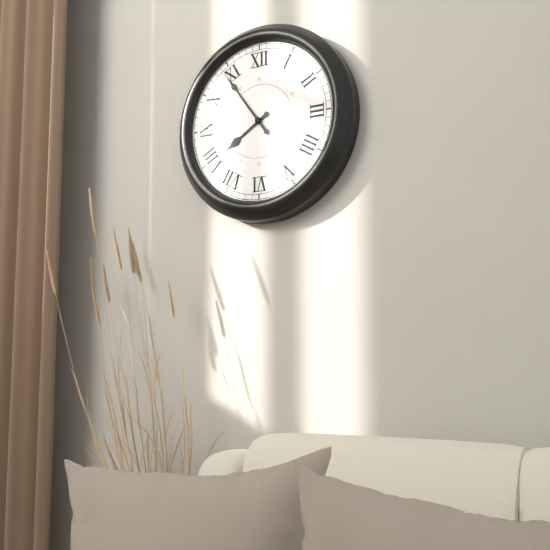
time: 7:54
